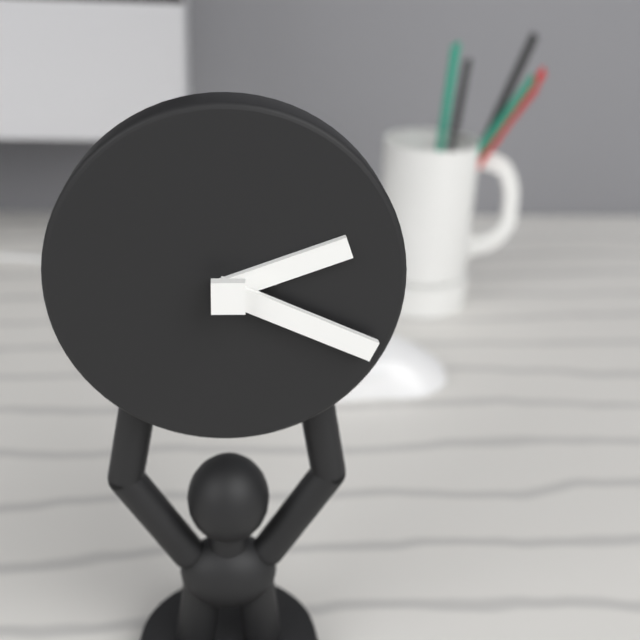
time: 2:19
